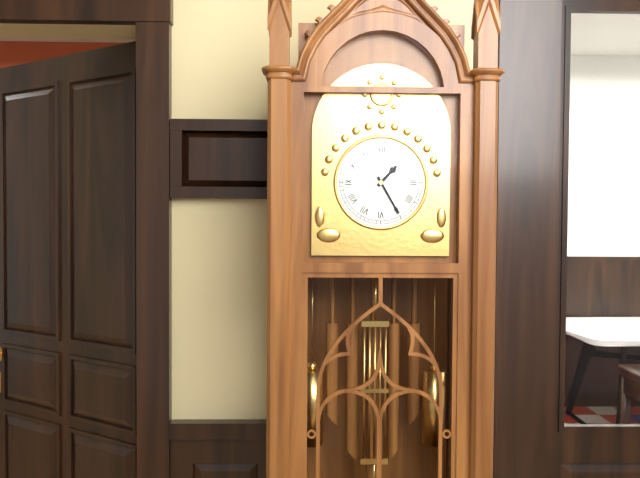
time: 1:25
